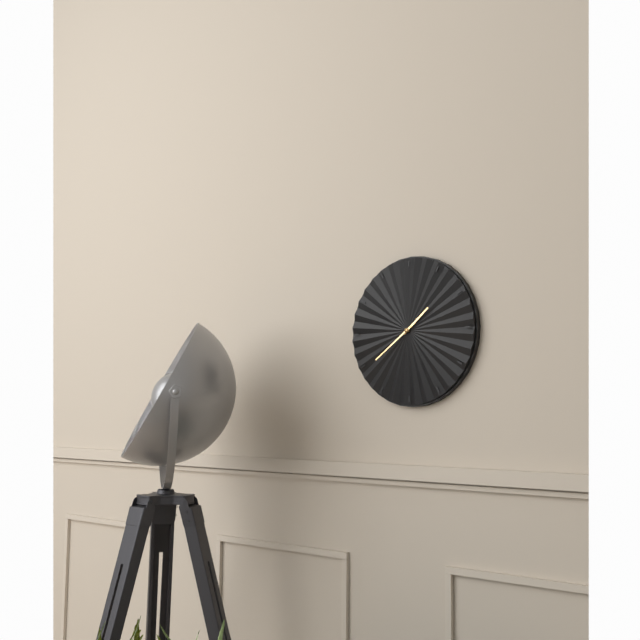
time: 1:39
